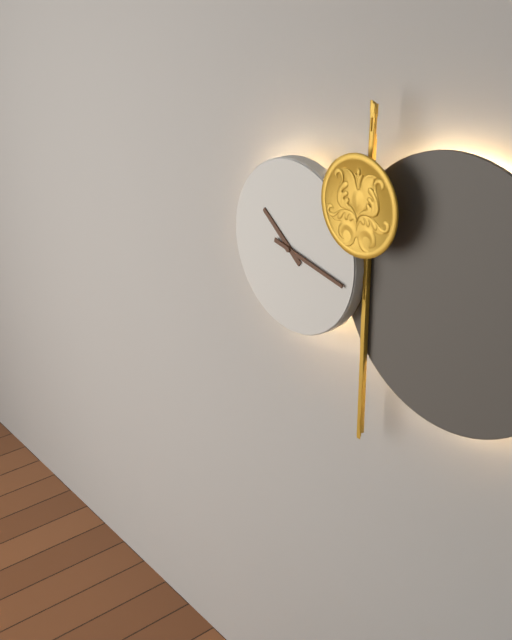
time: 10:17
